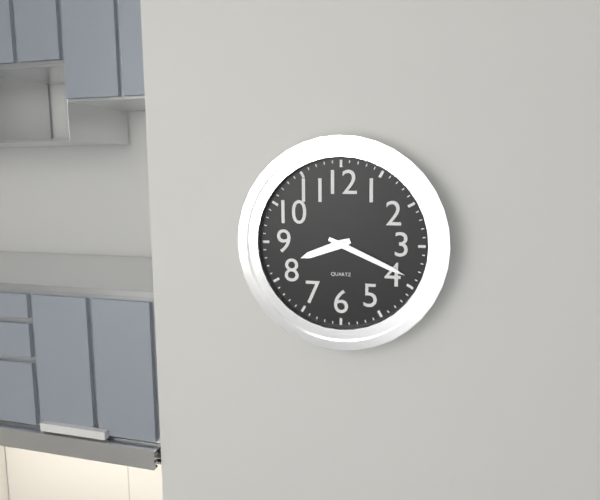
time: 8:19
